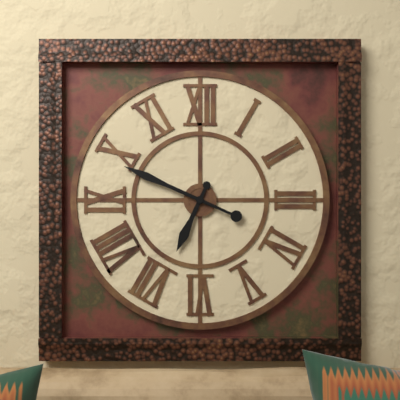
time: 6:49
